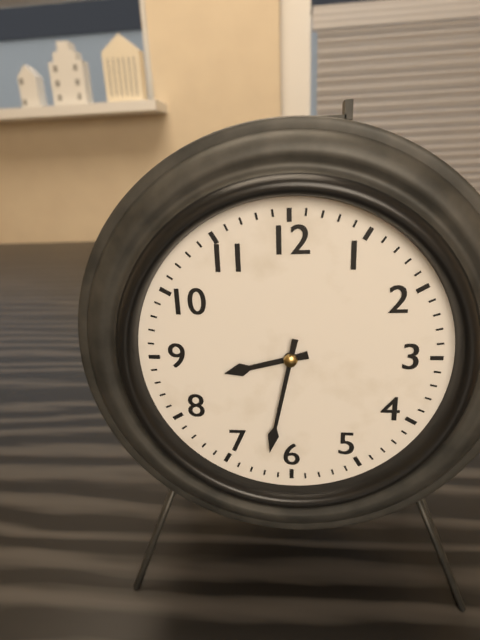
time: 8:32
